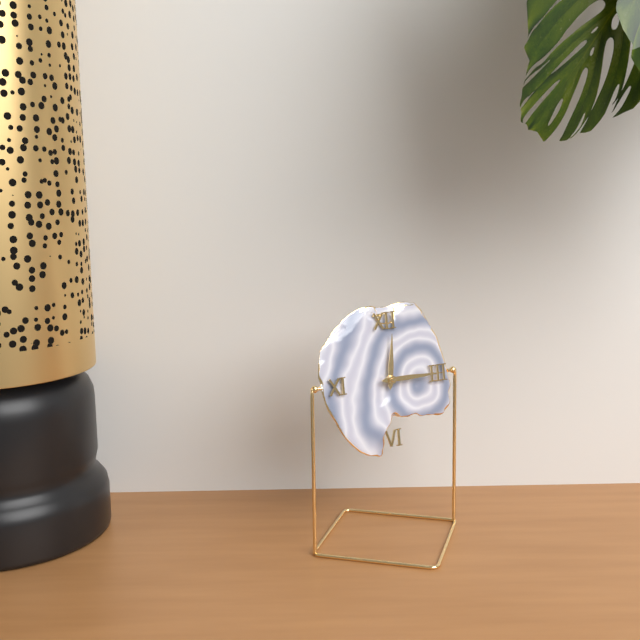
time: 12:15
